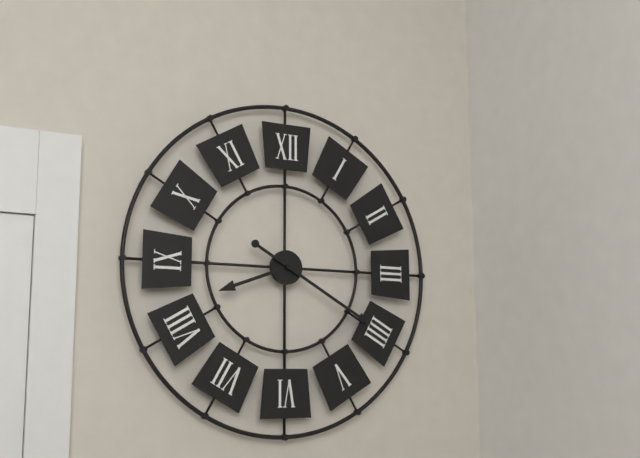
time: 8:20
